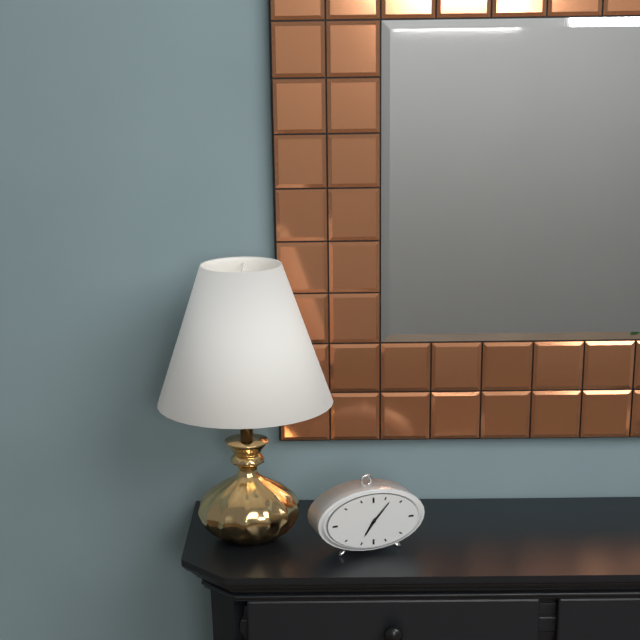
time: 7:07
